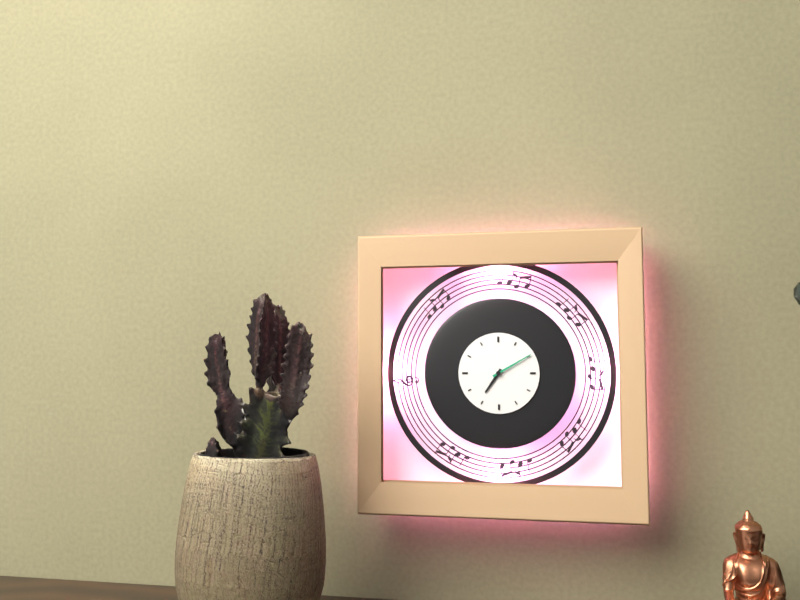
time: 7:10
